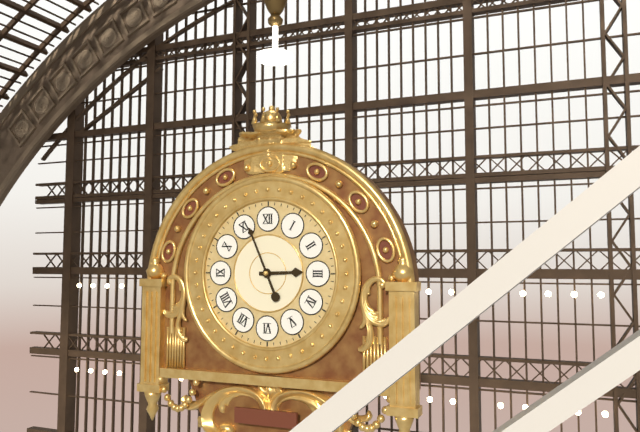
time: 2:56
